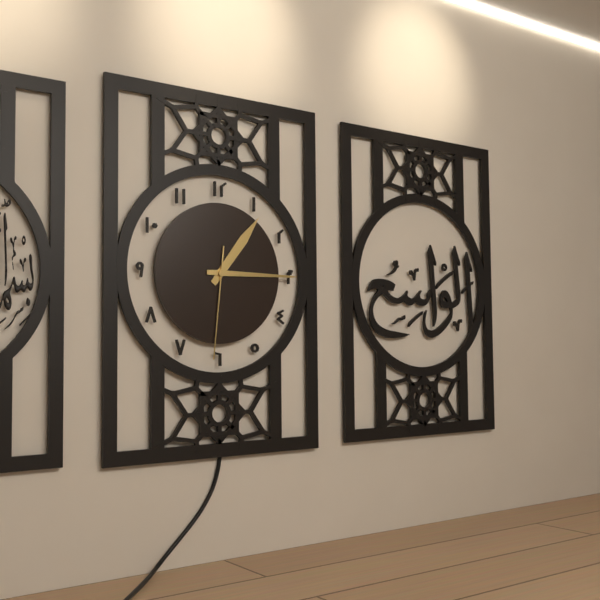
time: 1:15:31
